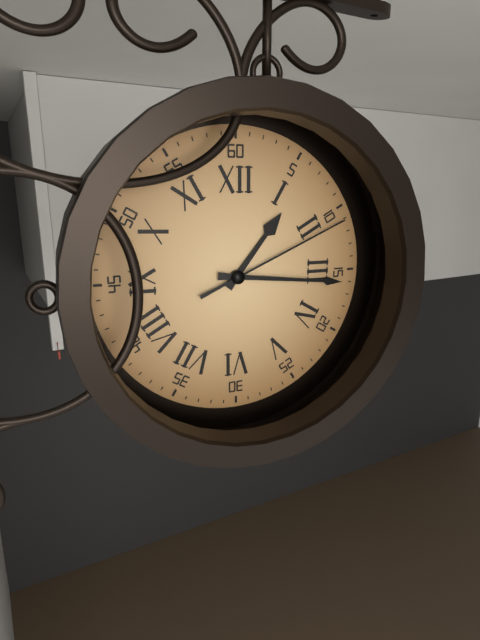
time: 1:16:11
